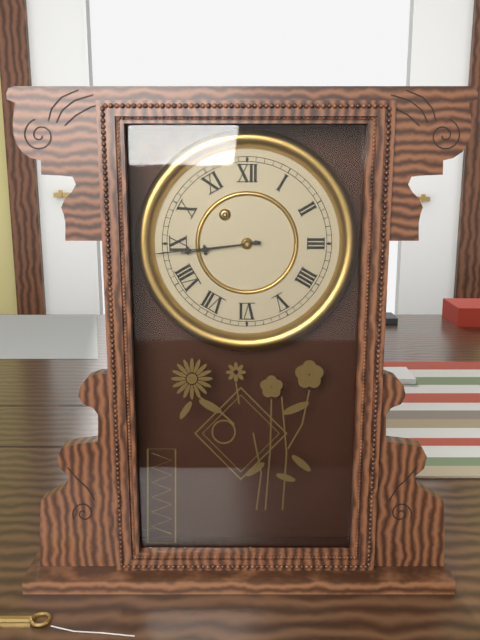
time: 8:44
